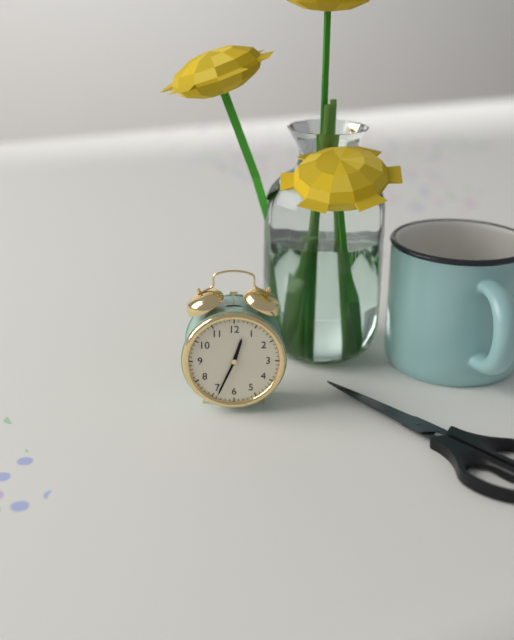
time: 12:34
